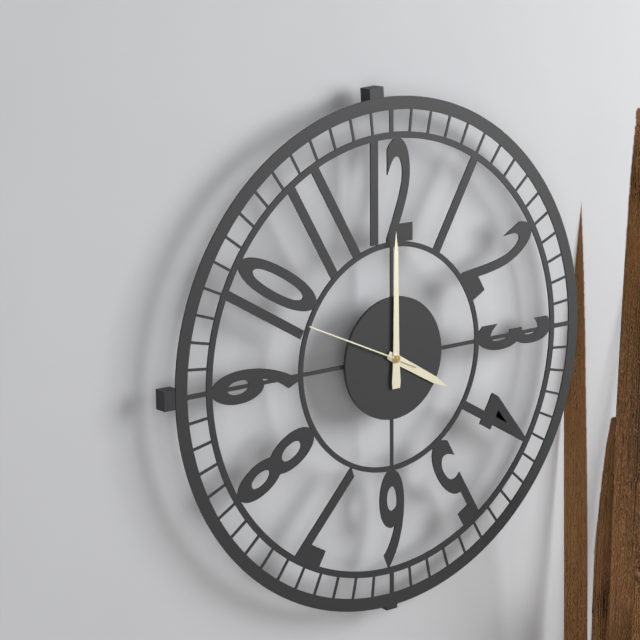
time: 4:00:49
